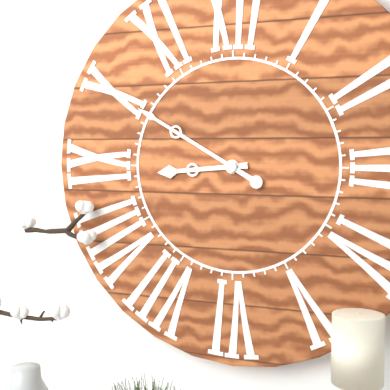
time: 8:50
